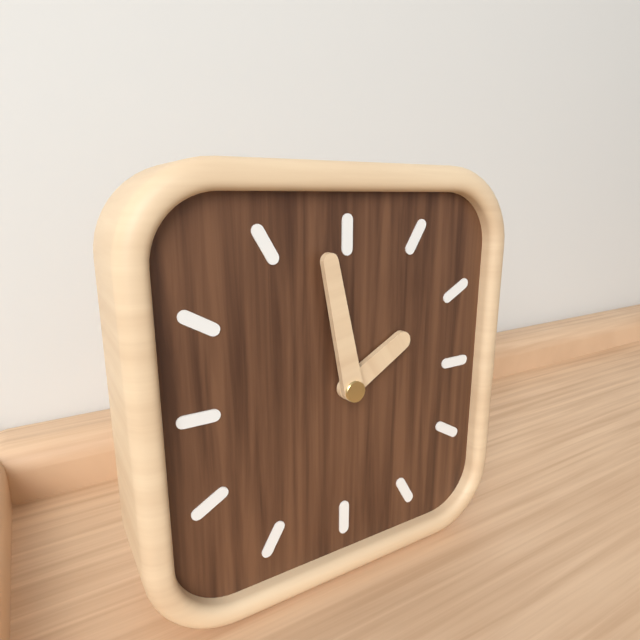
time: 1:58
